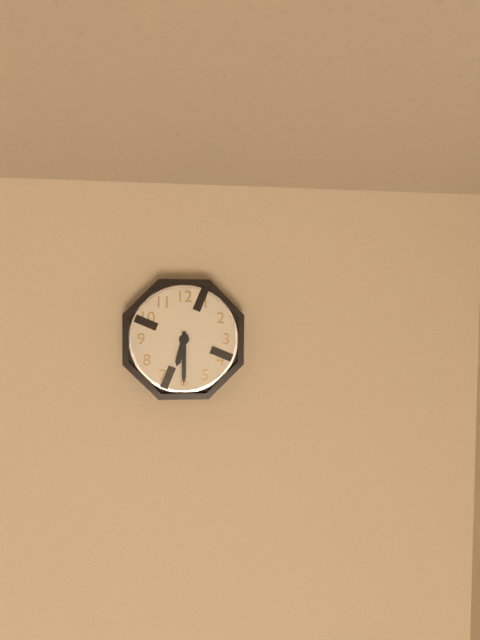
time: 6:30
